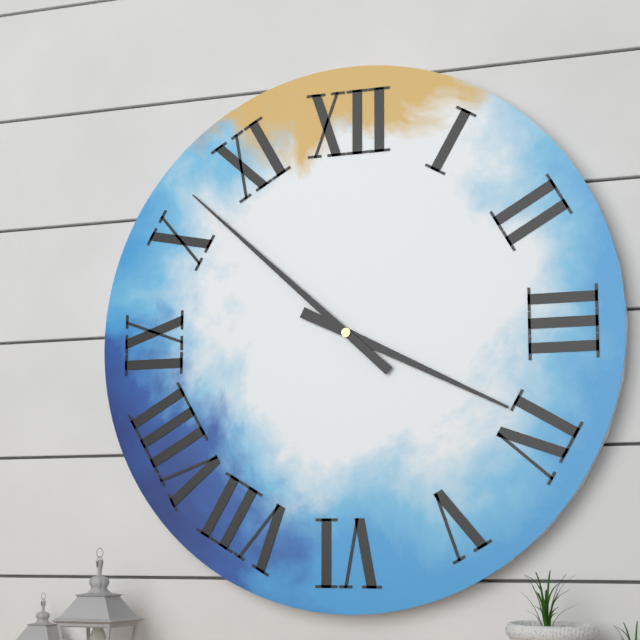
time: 3:52
